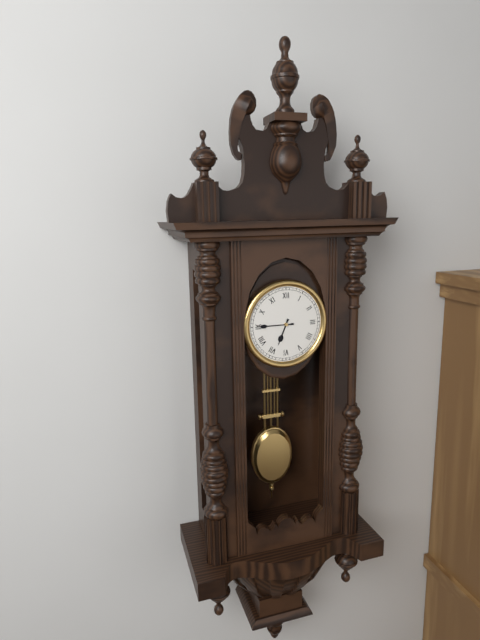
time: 6:45
